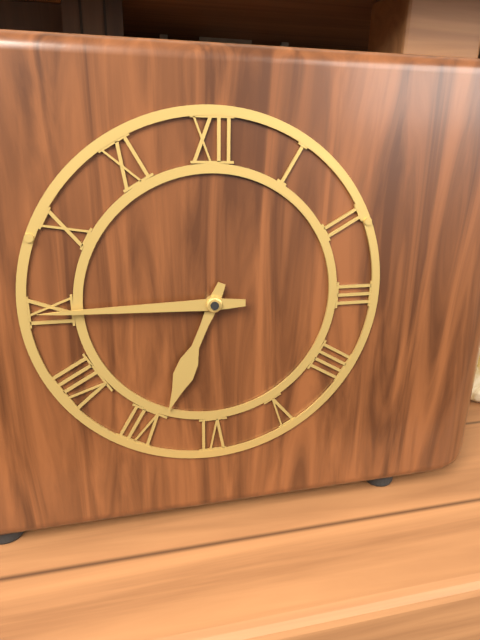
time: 6:45
